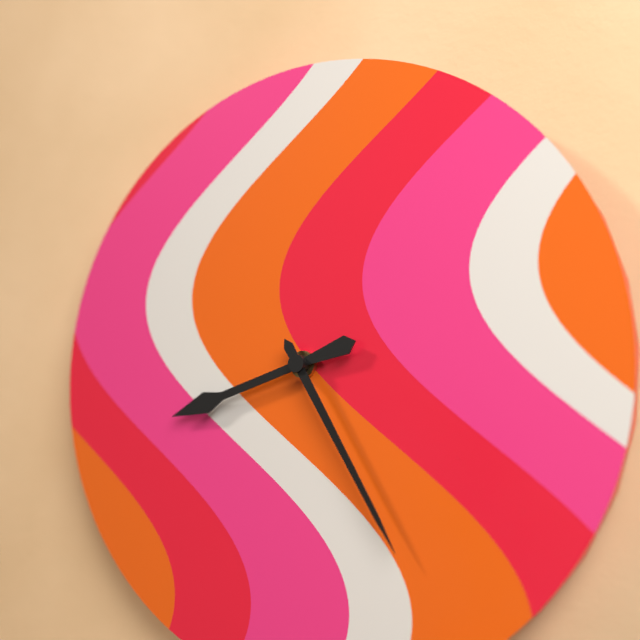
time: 8:25
